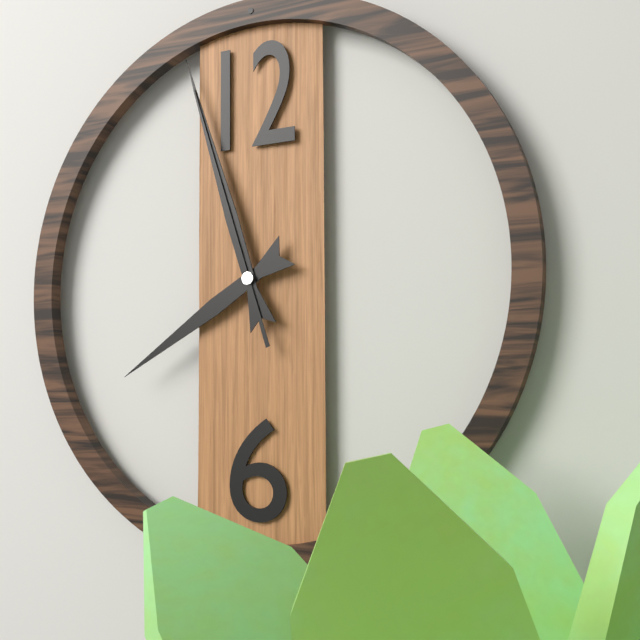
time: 7:57:57
